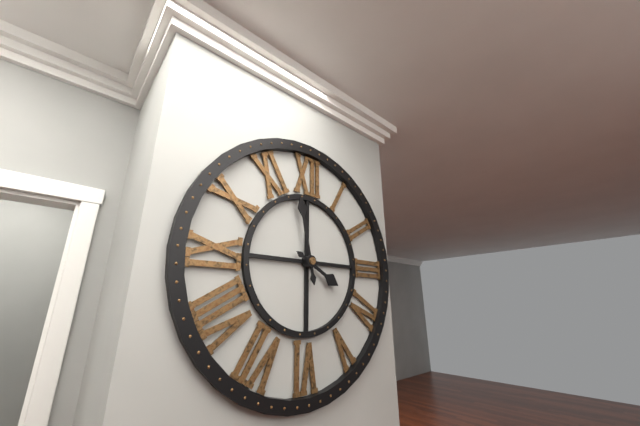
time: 3:58
